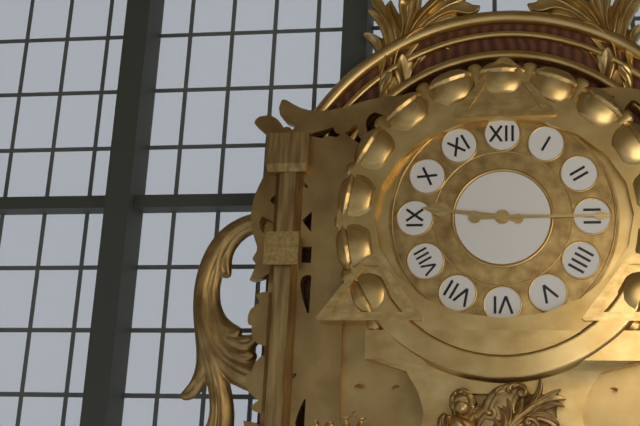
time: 9:15
